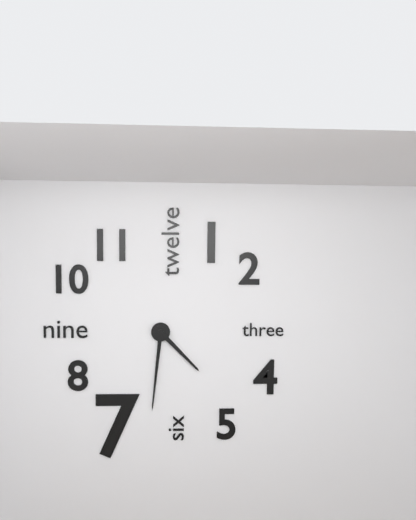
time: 4:31
